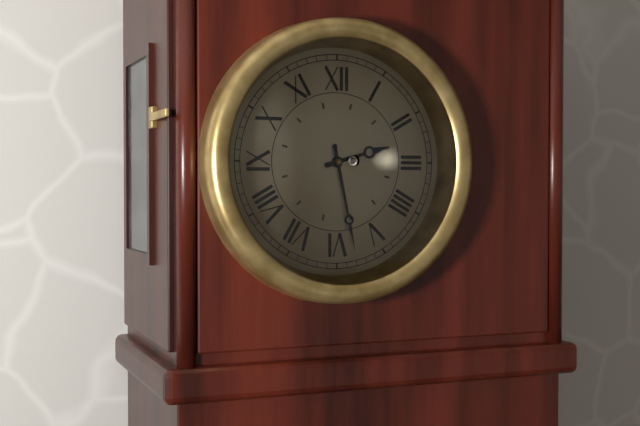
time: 2:28
